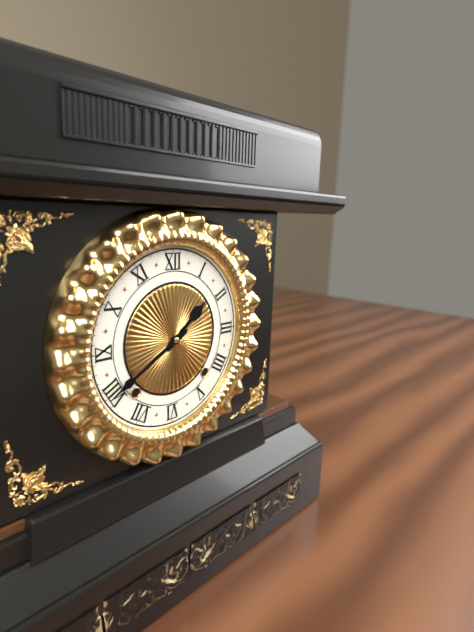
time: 1:40
